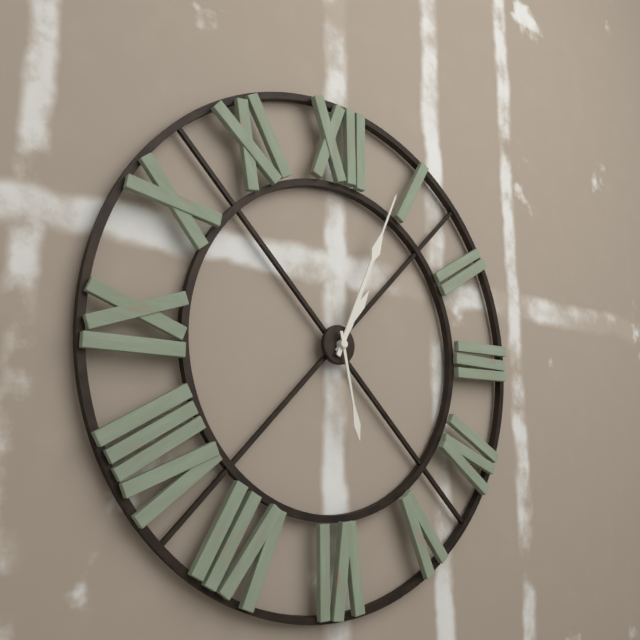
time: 1:04:28
